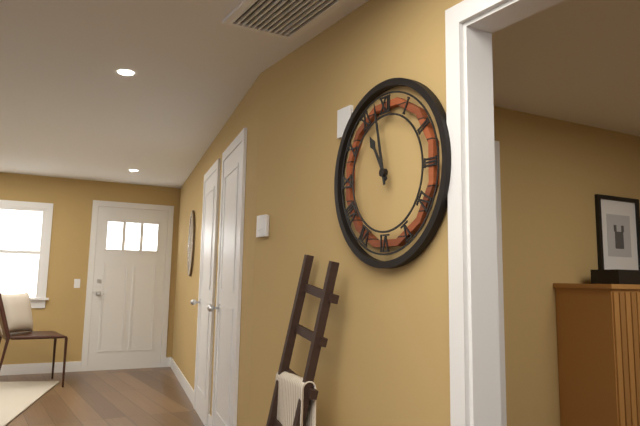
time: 10:58
